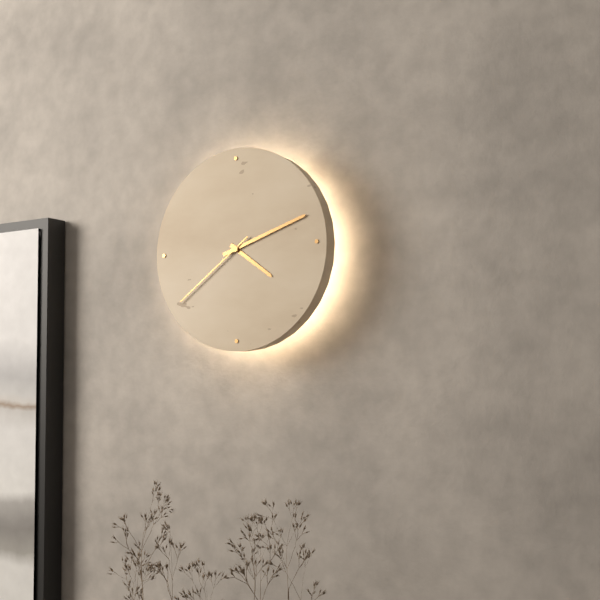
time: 4:12:39
